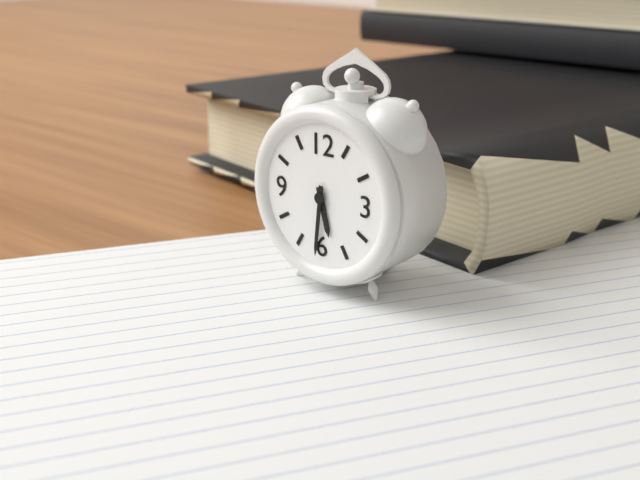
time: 5:31
